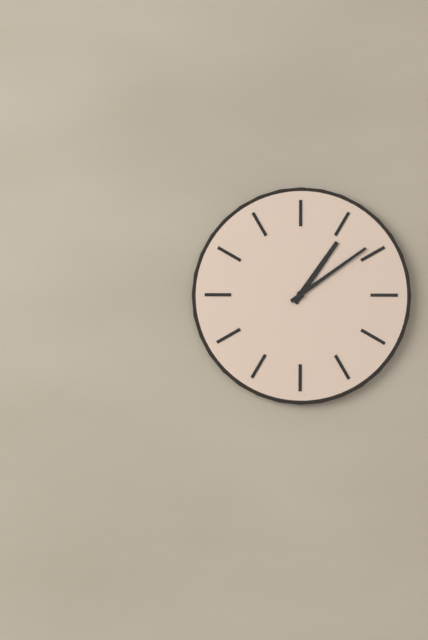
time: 1:09
